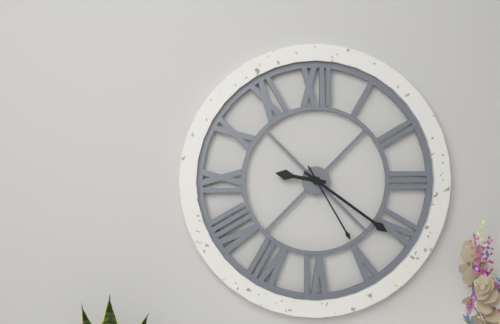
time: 9:21:25
